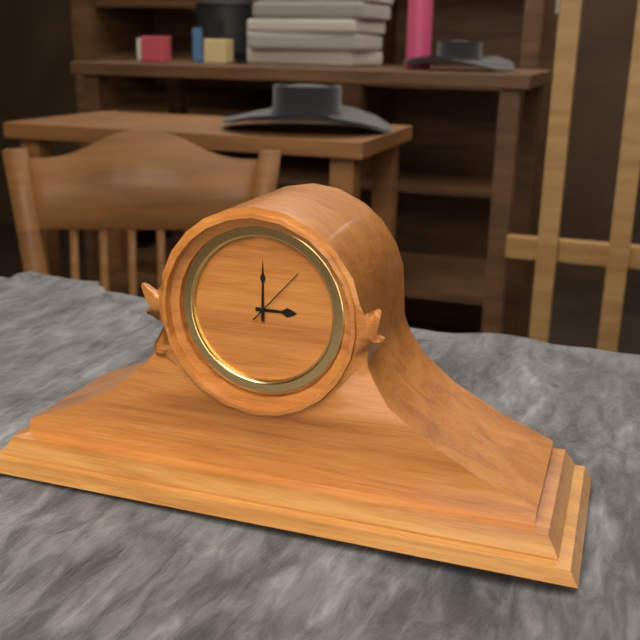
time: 3:00:07
